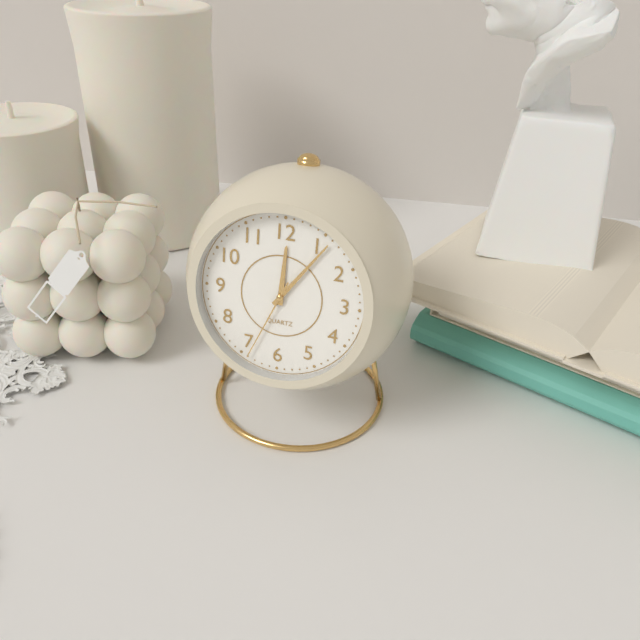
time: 12:06:34
